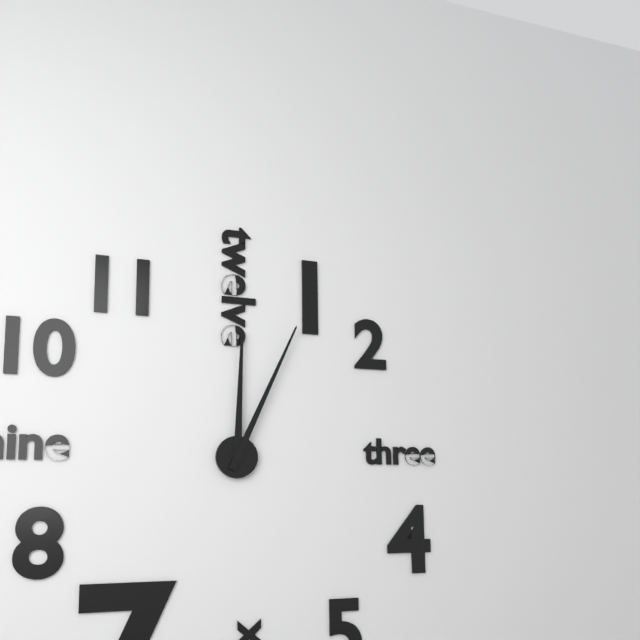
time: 12:04
